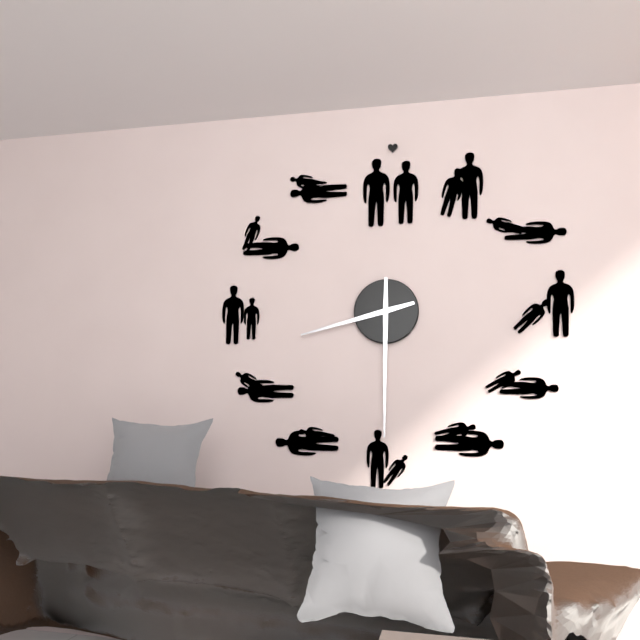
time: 8:30
